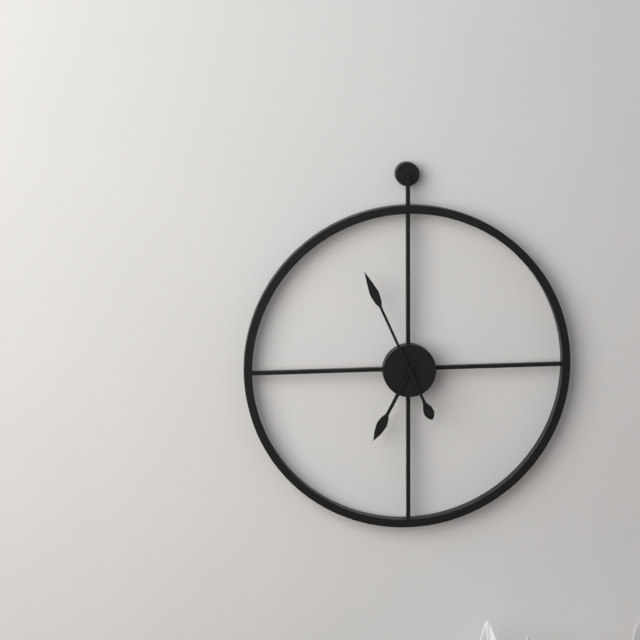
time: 6:56
